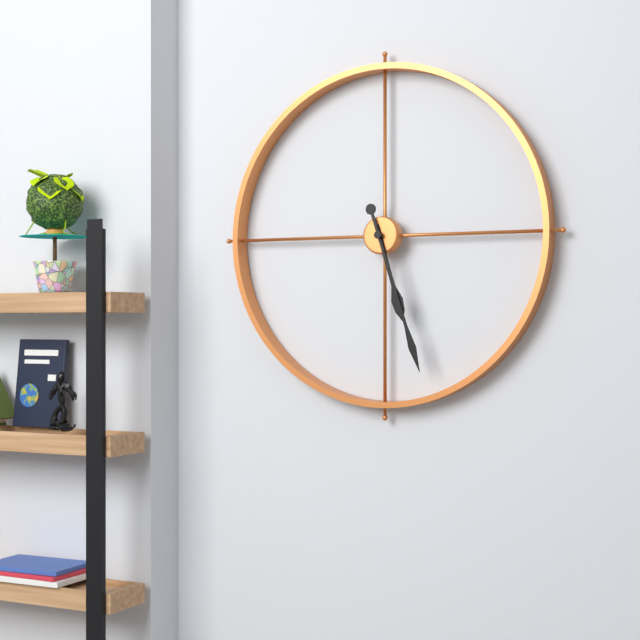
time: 5:27
